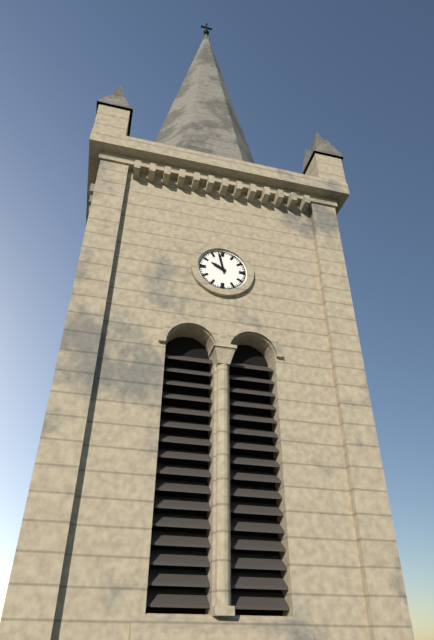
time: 9:58
